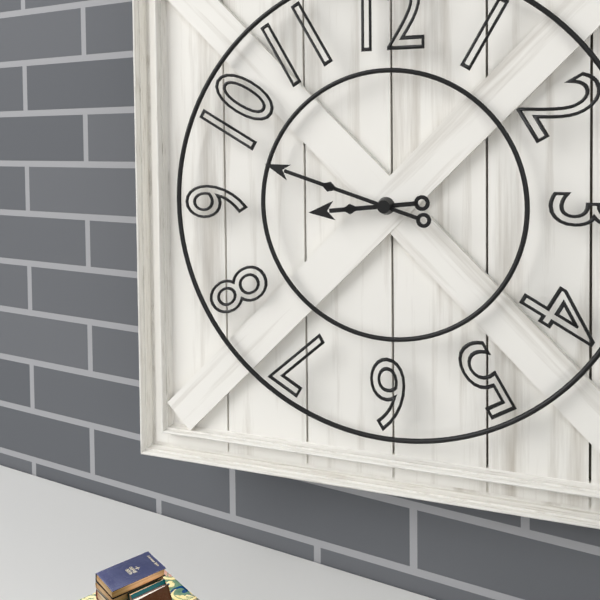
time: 8:48
